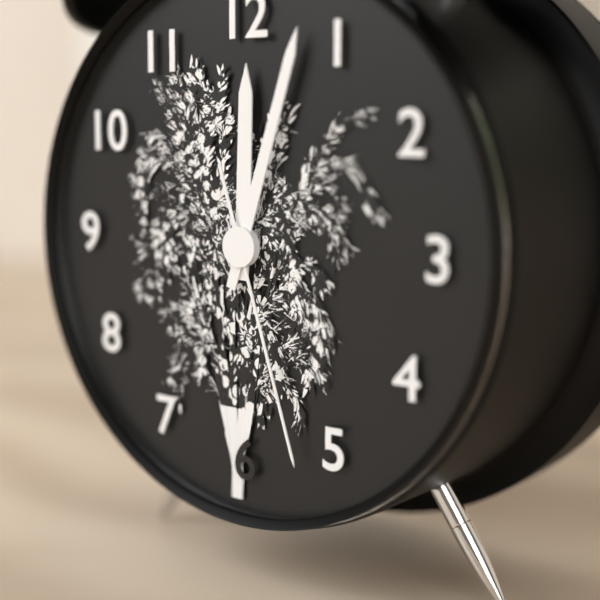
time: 12:03:27
